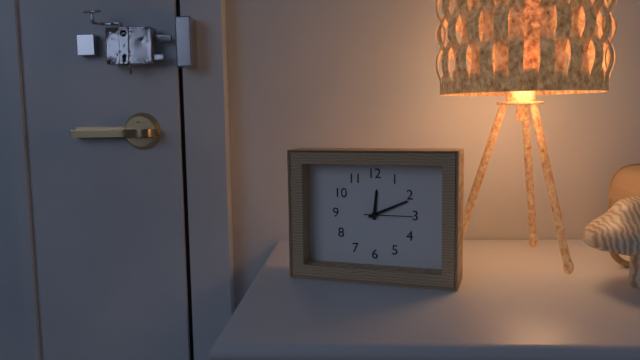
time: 12:11
